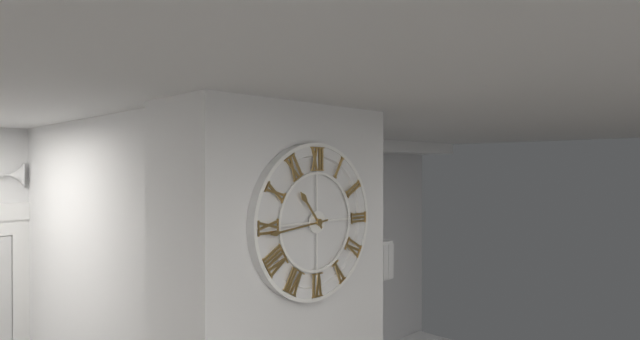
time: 10:44
